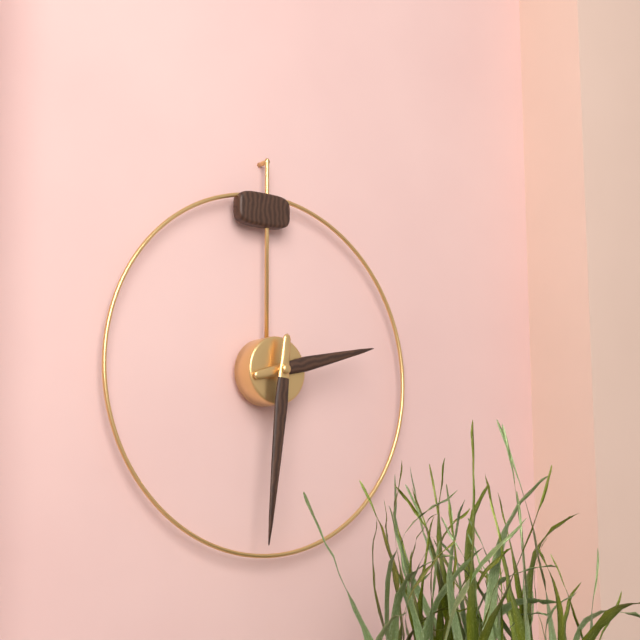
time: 2:31
